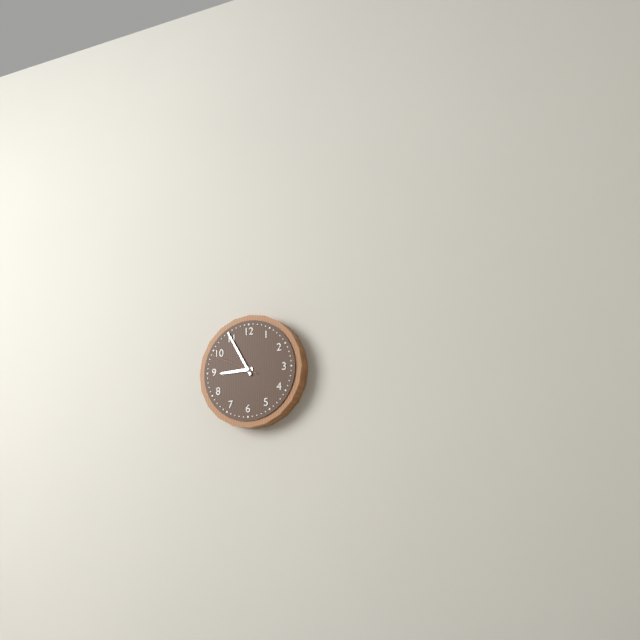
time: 8:55
